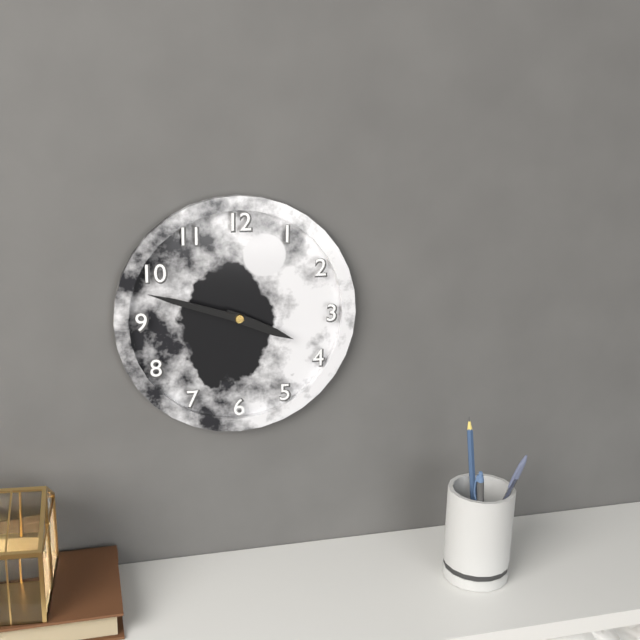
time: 3:48
